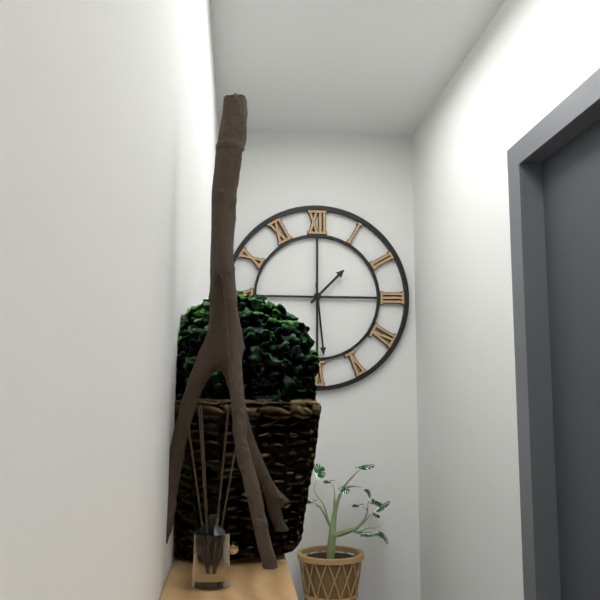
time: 1:29
